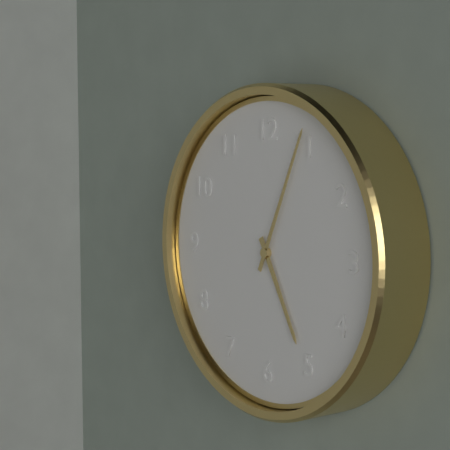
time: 5:04
